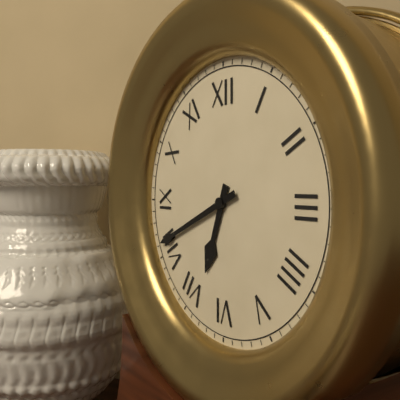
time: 6:41
